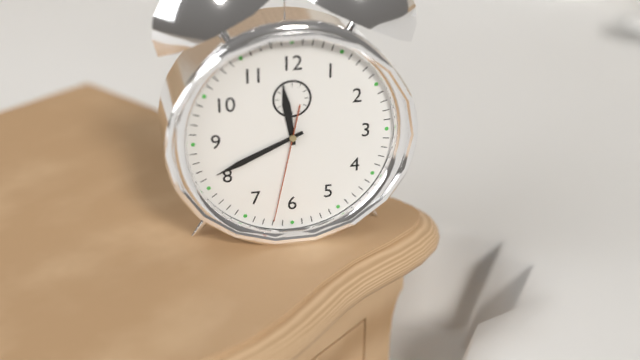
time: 11:41:32
